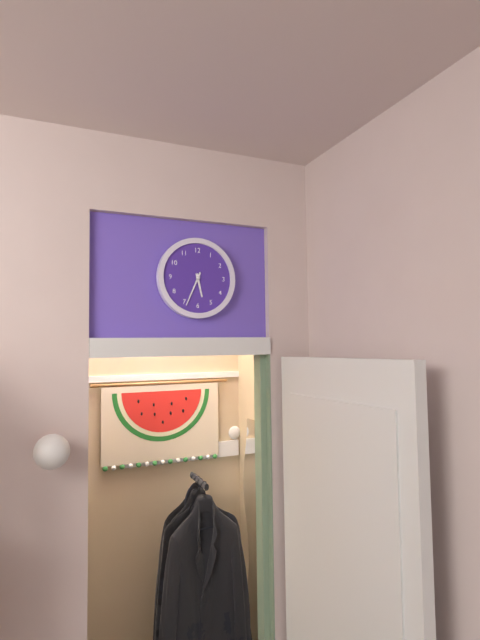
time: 5:34
